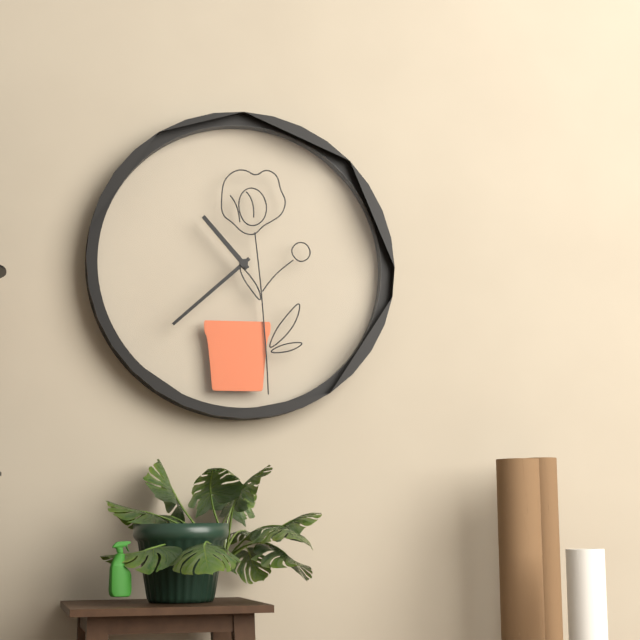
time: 10:38
